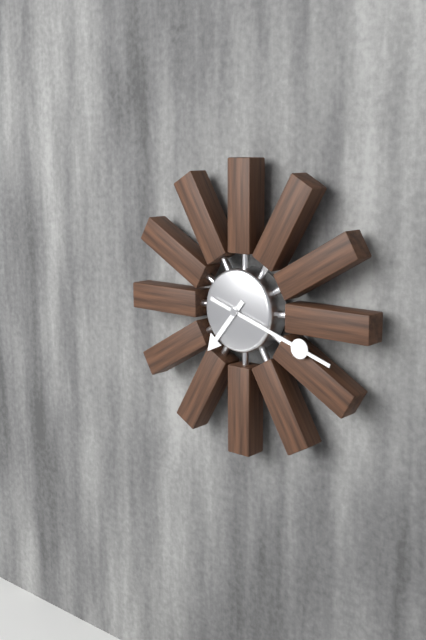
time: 7:18
